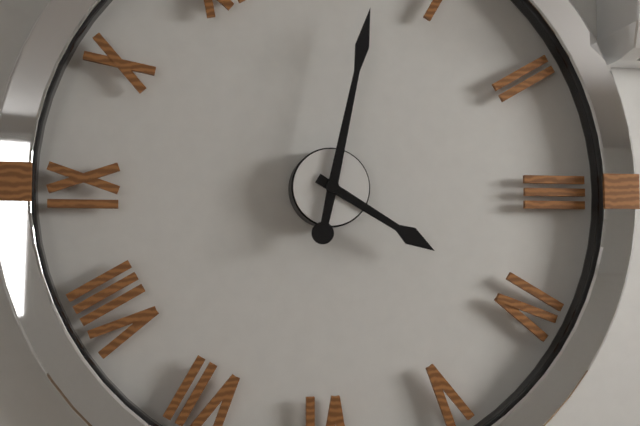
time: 4:02
